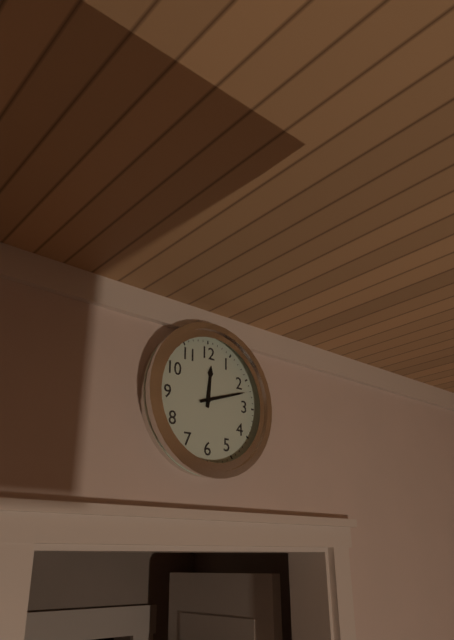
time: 12:12
